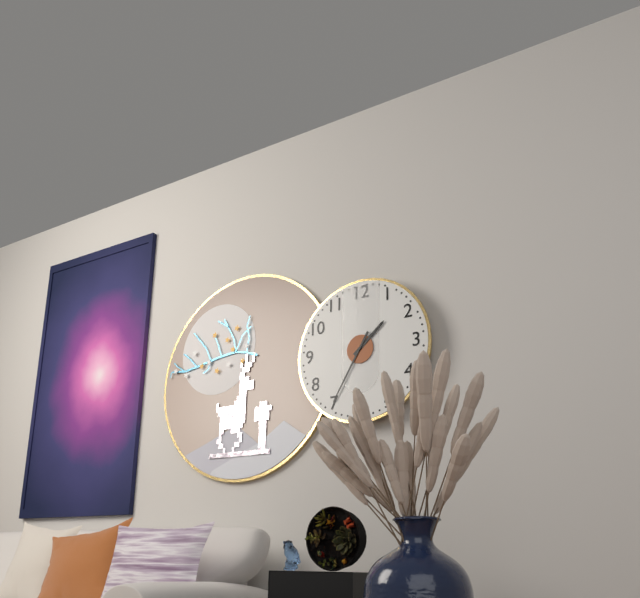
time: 1:35
